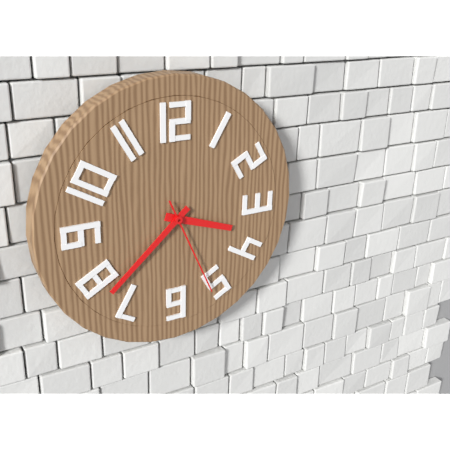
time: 3:38:26
